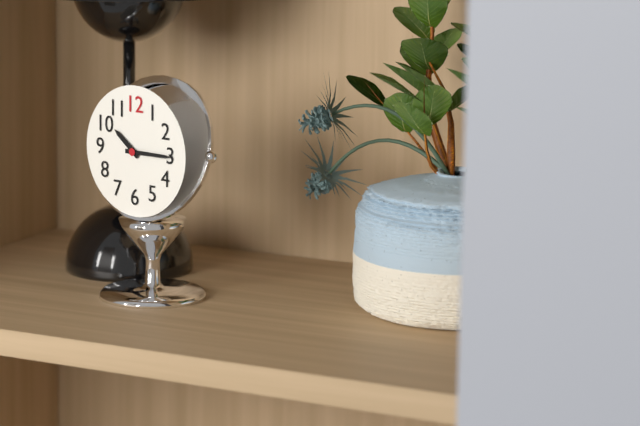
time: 10:15
